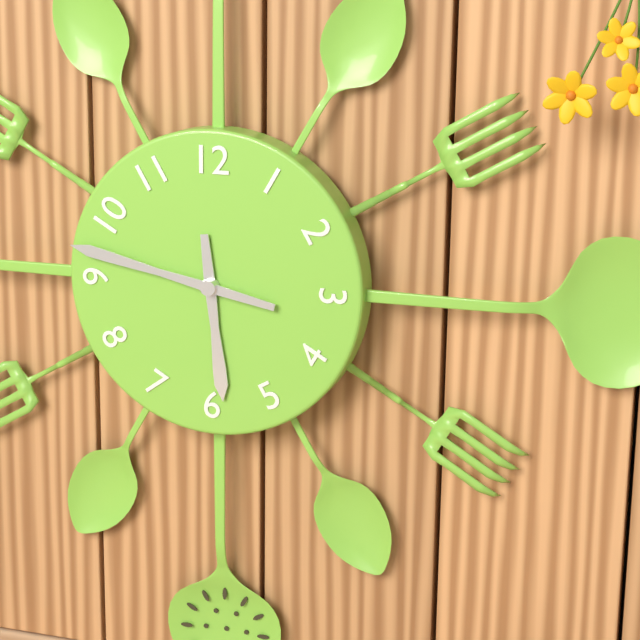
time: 5:47
